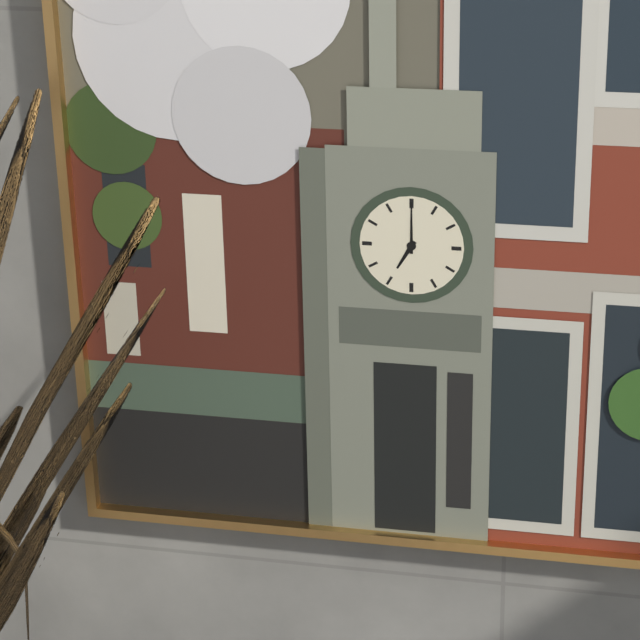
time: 7:00
